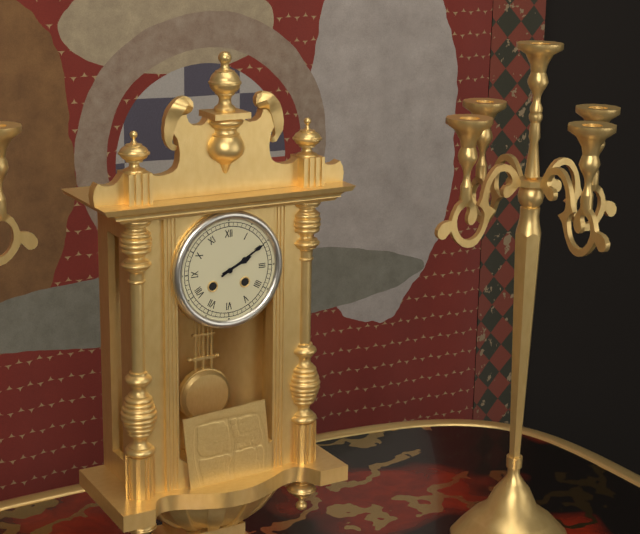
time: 2:10
